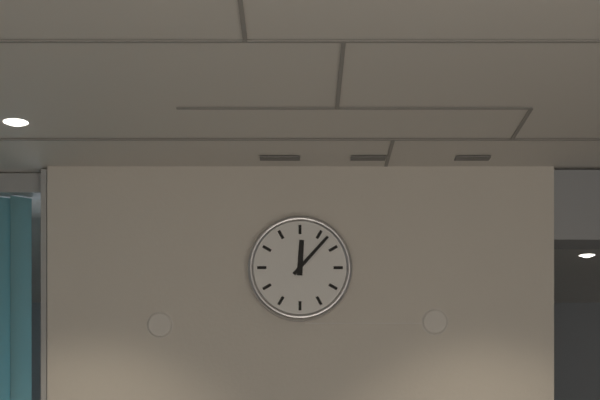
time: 12:07
